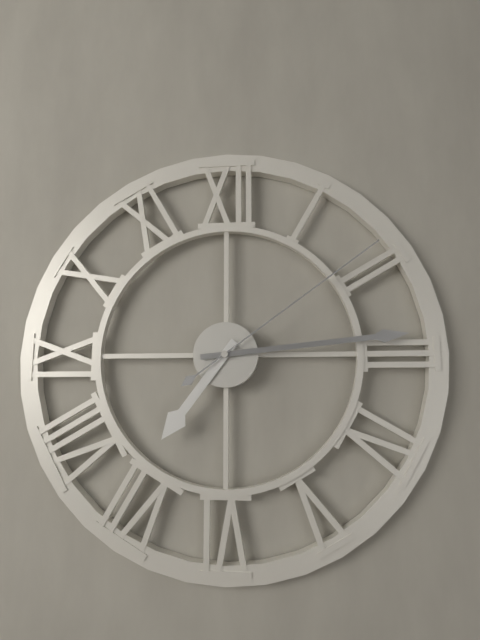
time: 7:14:09
